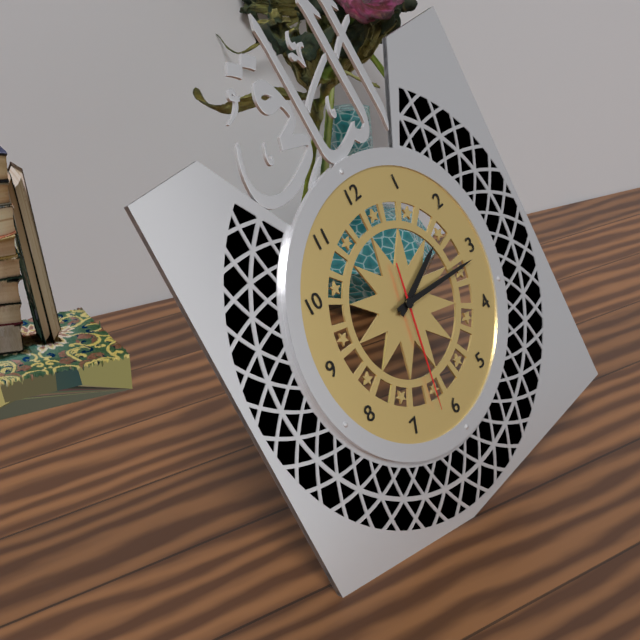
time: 2:16:32
